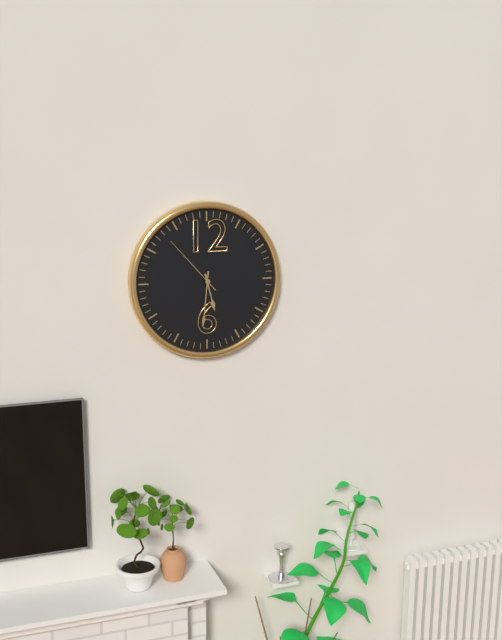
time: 5:31:53
